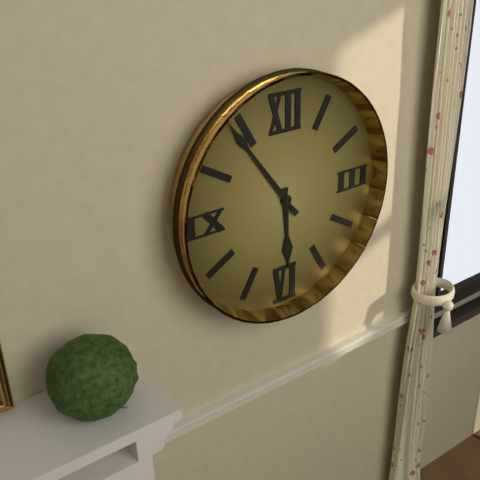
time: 5:54
